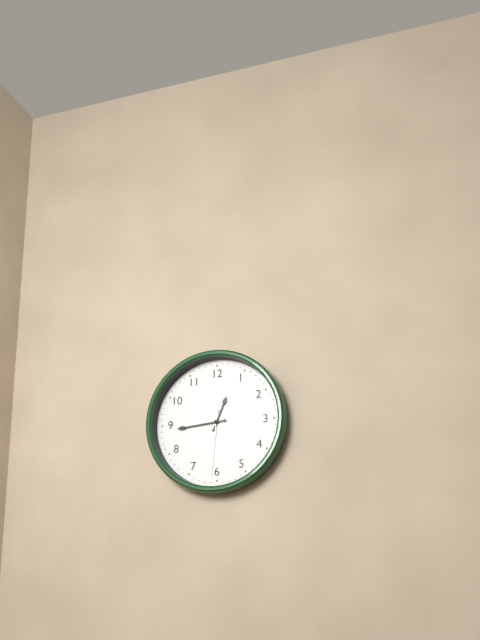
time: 12:44:31
